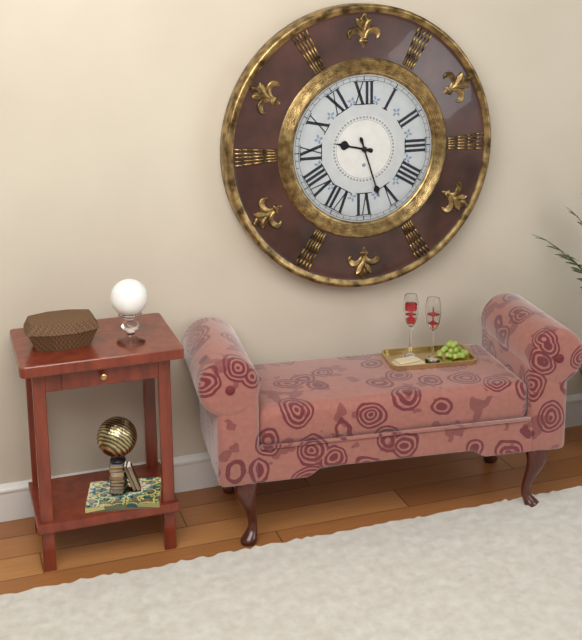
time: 9:27
